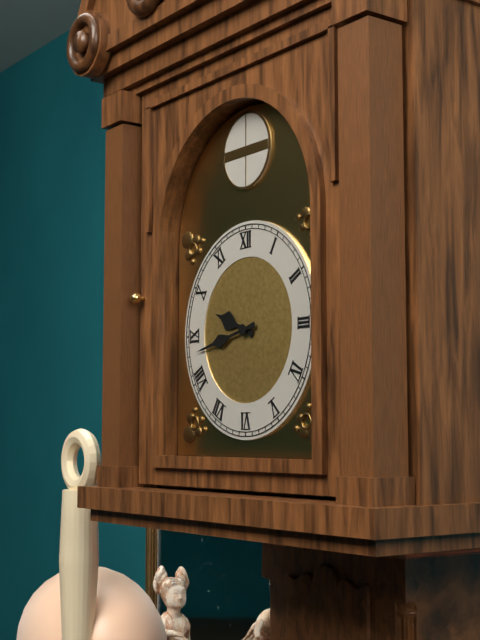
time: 9:43
